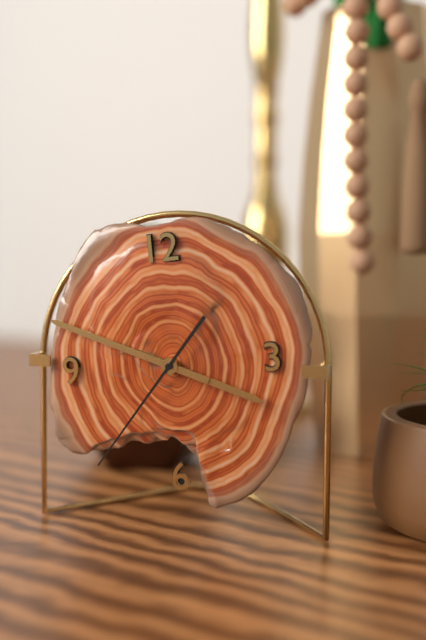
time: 3:49:37
